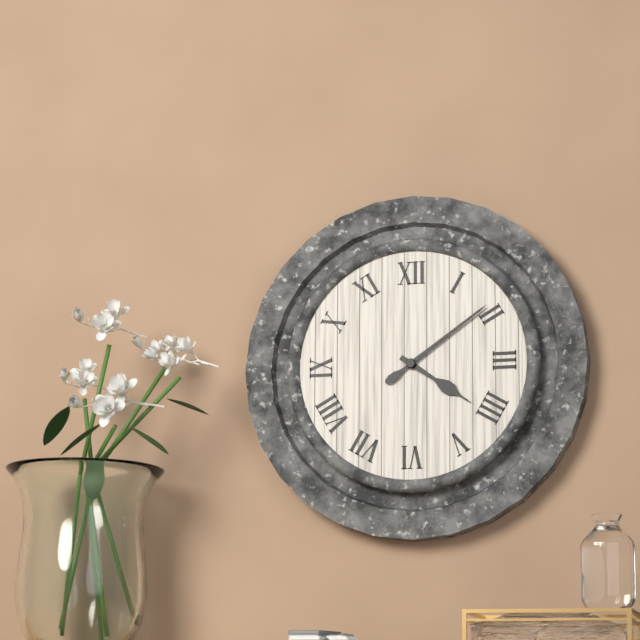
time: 4:09
